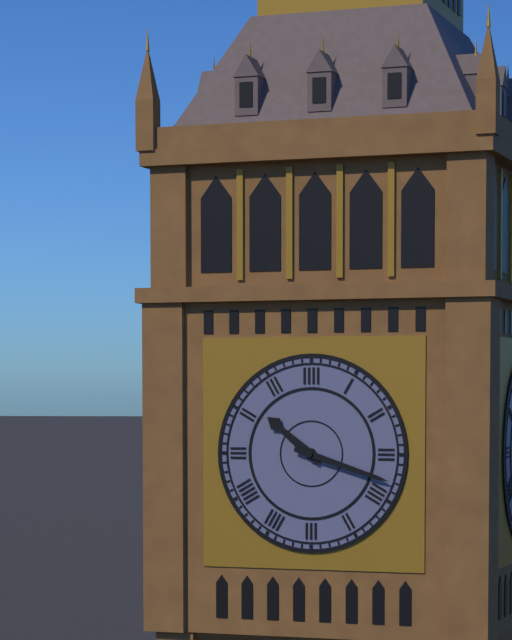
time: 10:18
